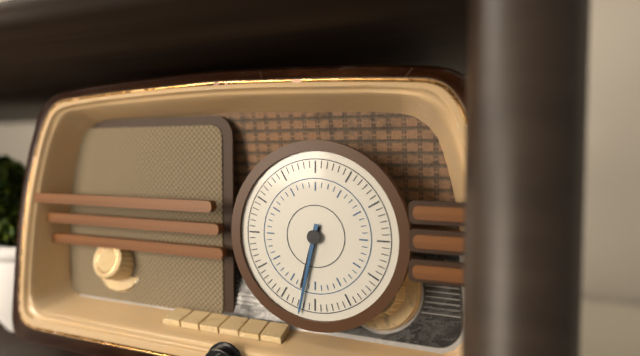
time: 6:32
